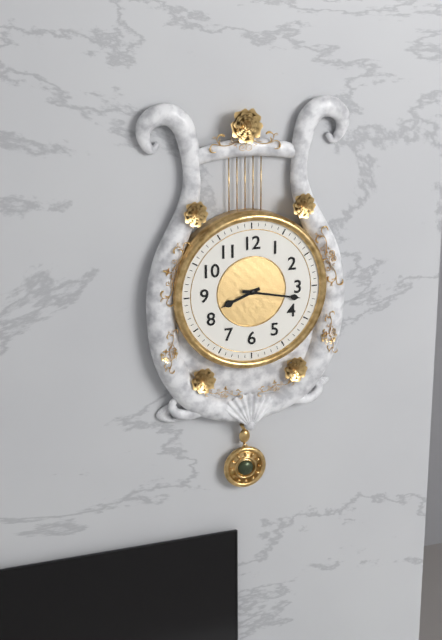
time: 8:17
